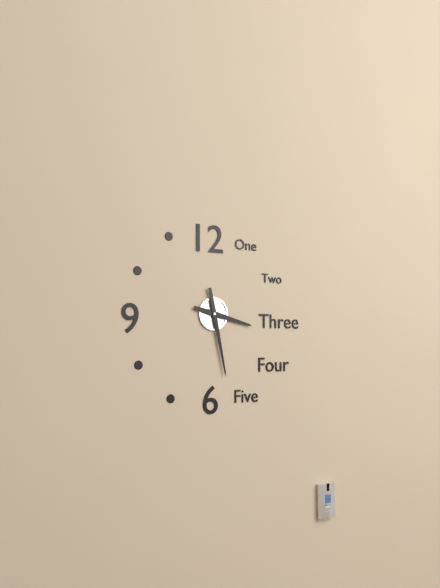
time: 3:28
